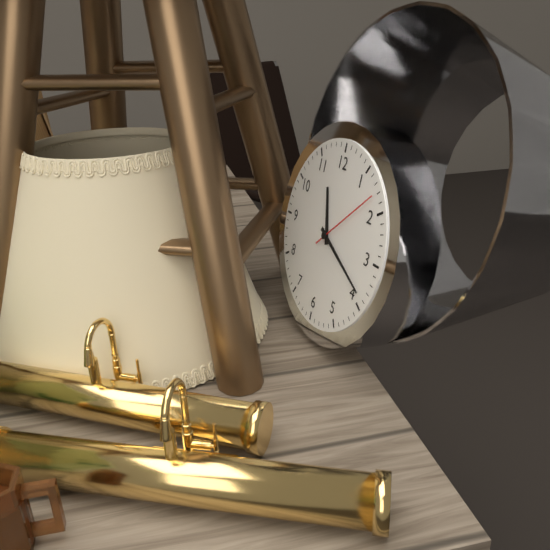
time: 11:19:08
